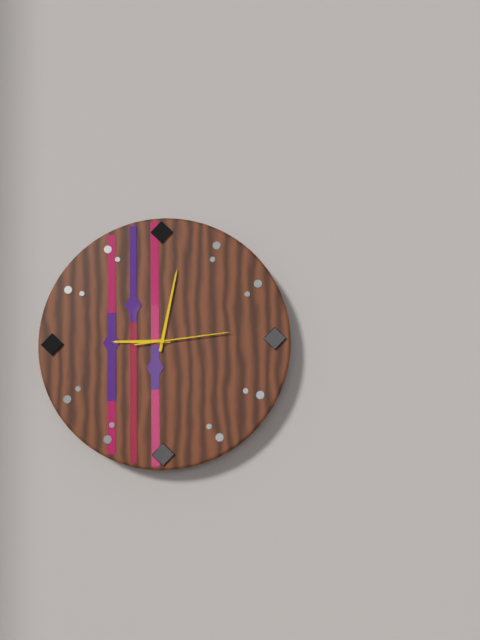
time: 9:02:14
